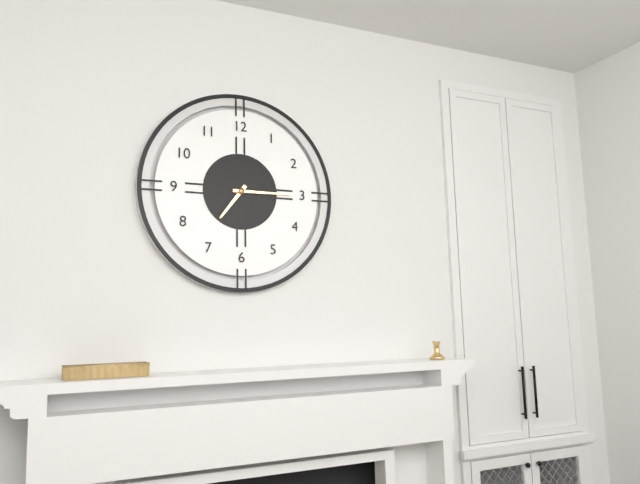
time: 7:15
